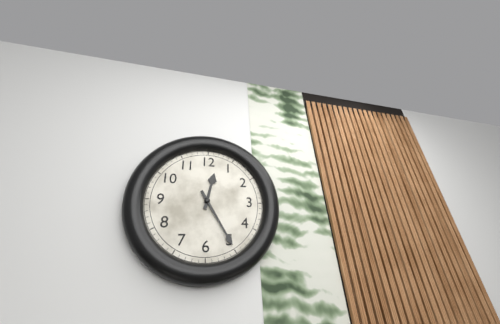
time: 12:25
